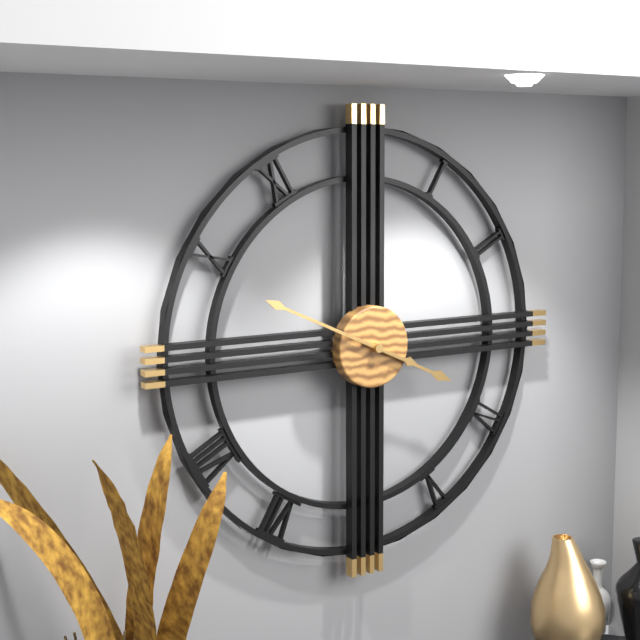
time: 3:49
